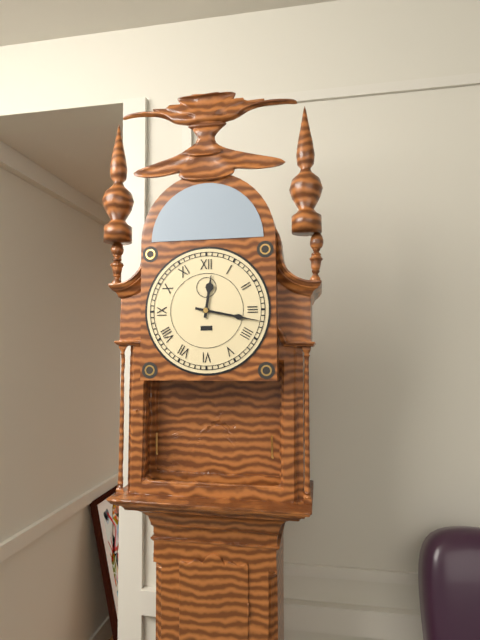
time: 12:17
